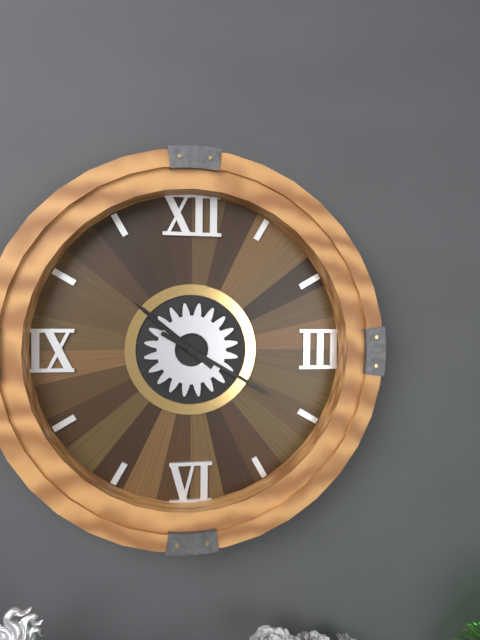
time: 10:20
